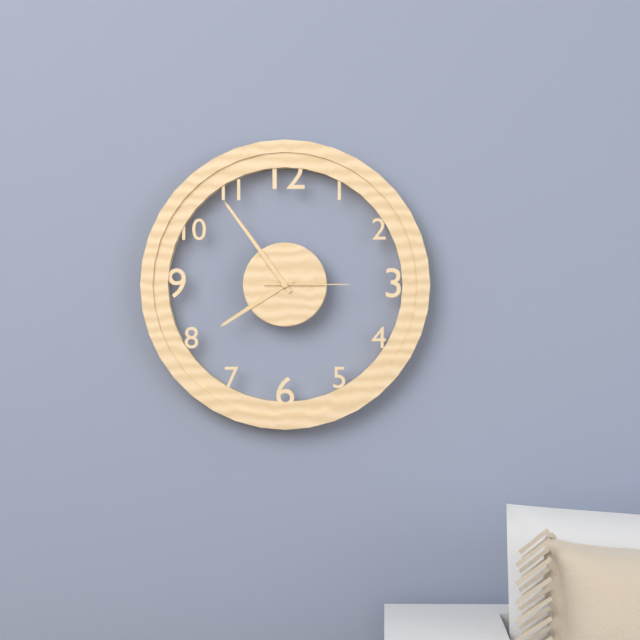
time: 7:54:15
